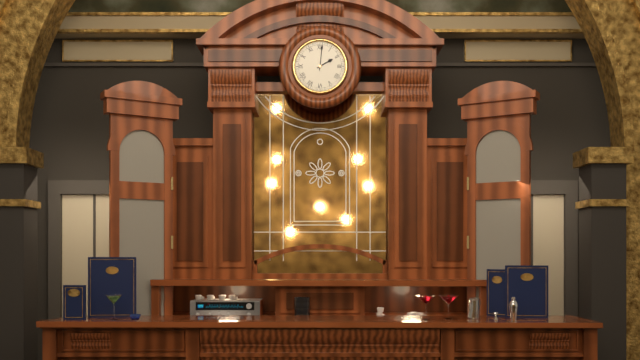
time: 2:01
